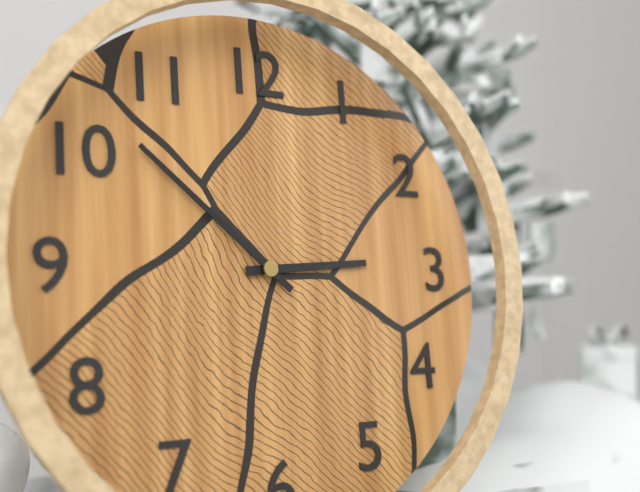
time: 2:52
